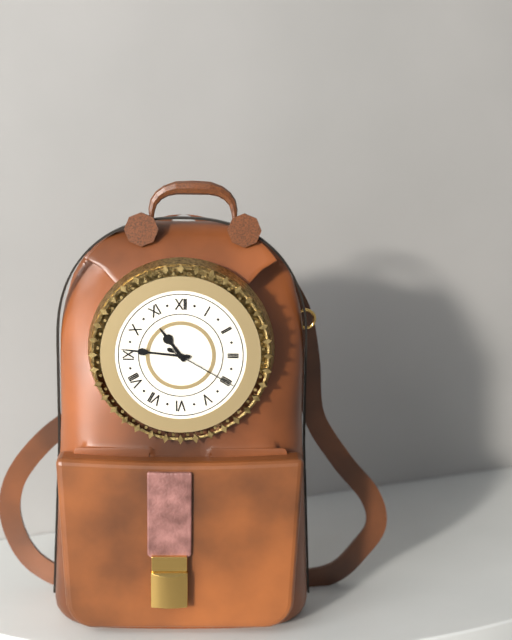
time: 10:46:20
